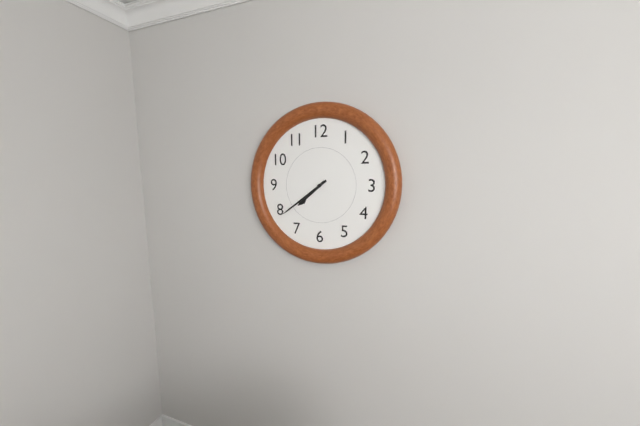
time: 7:39
